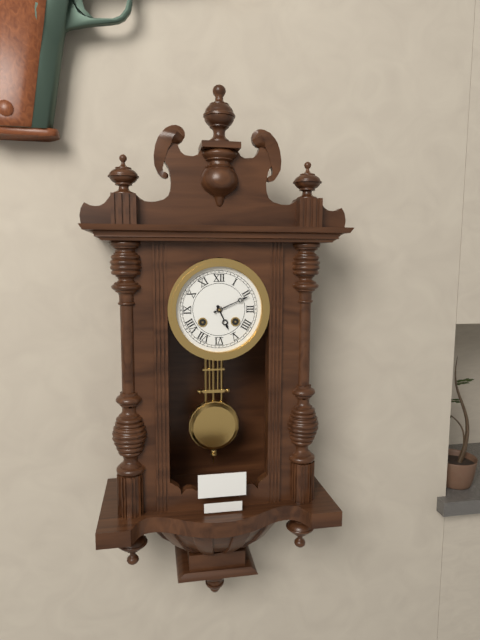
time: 5:11
